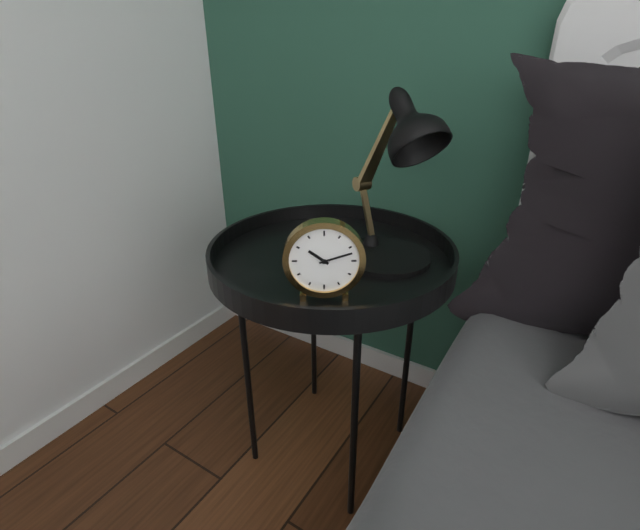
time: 10:12
